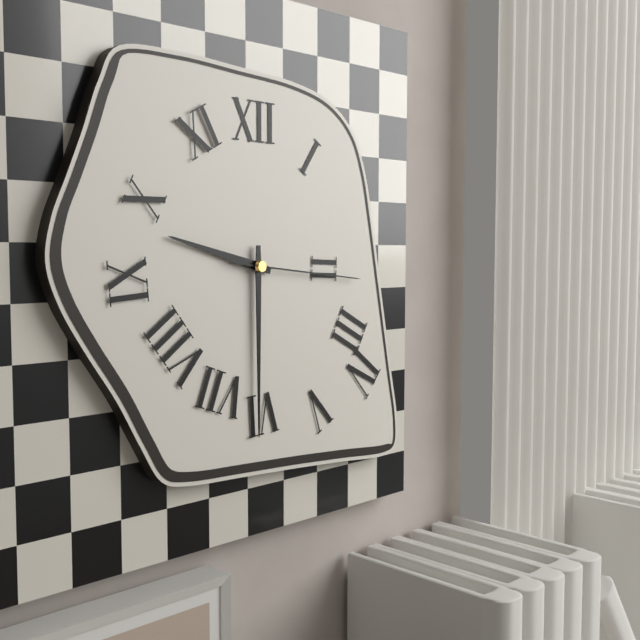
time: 9:30:16
